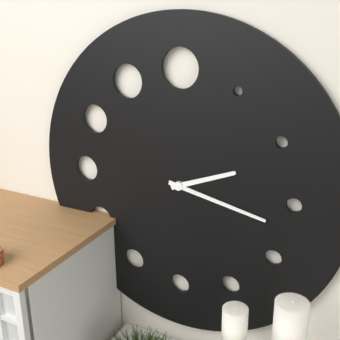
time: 2:17
